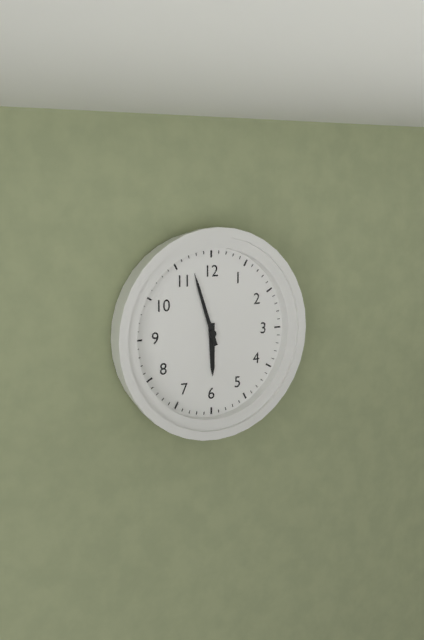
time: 5:57
